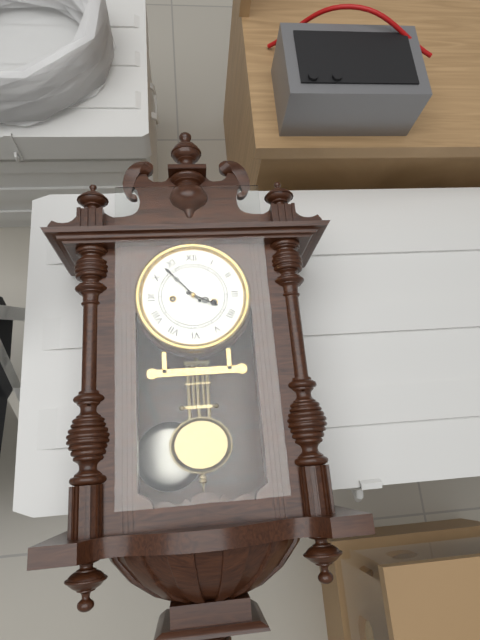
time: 3:53
